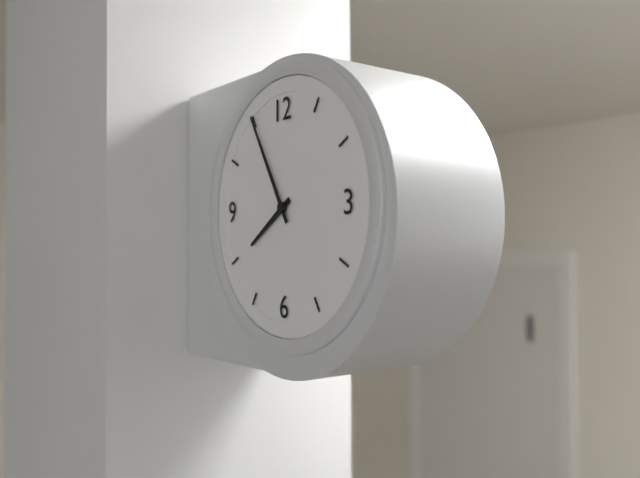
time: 7:55
